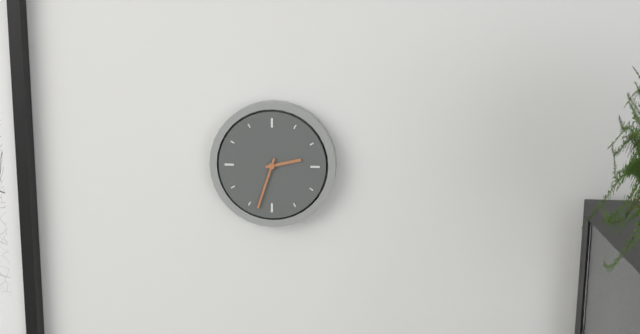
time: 2:33
